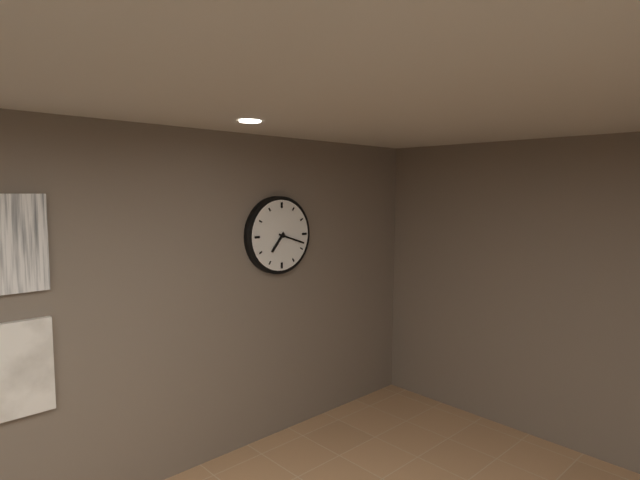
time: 7:18
